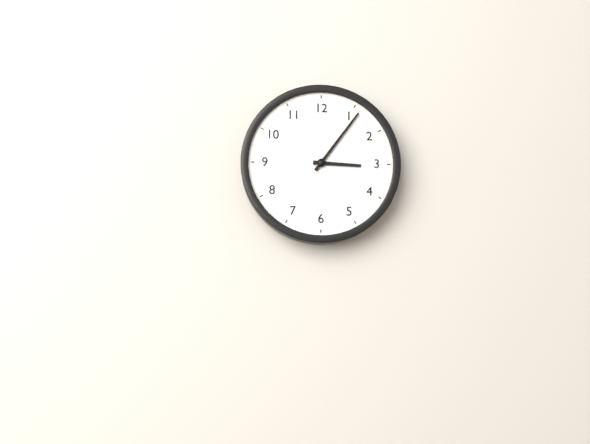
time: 3:06
